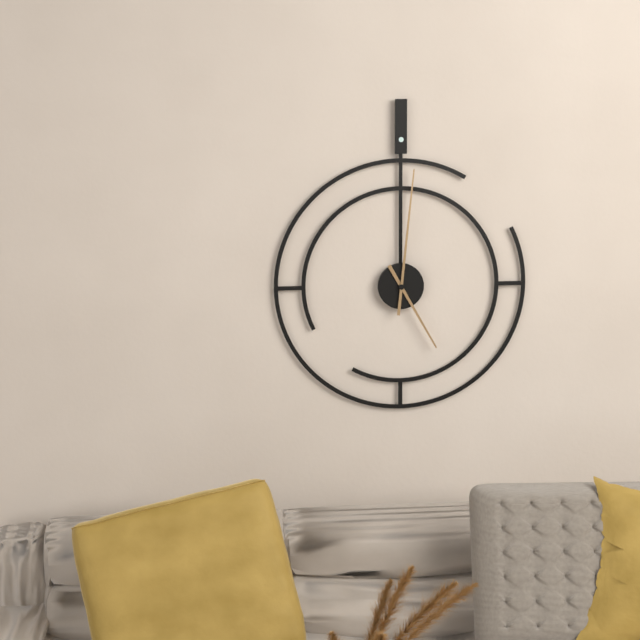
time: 5:01
